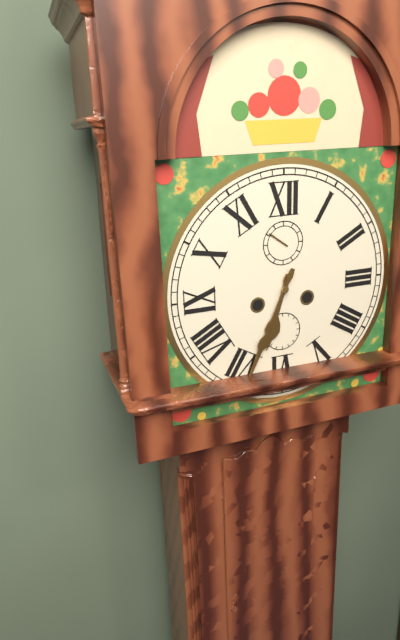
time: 6:34
